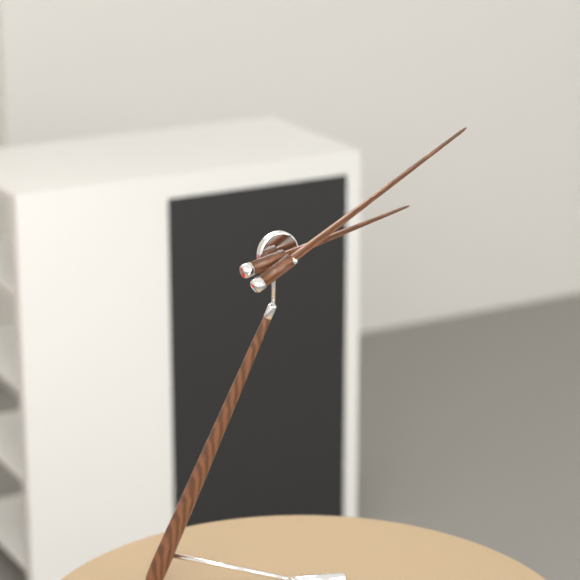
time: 2:08
